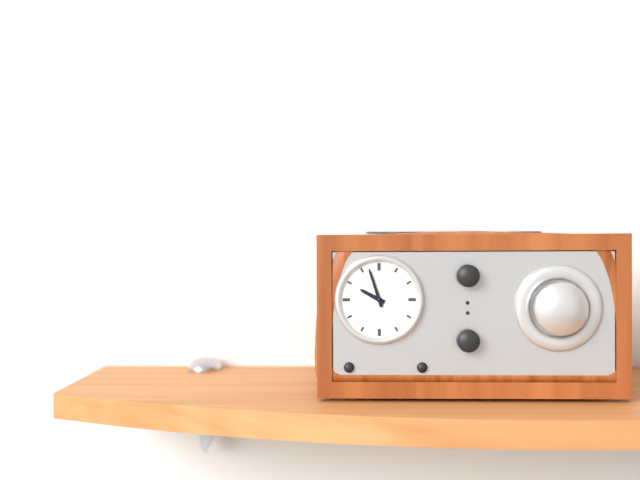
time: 9:57
